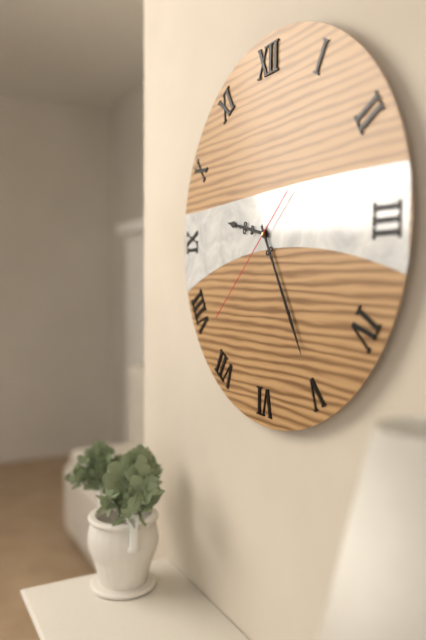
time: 9:25:38
